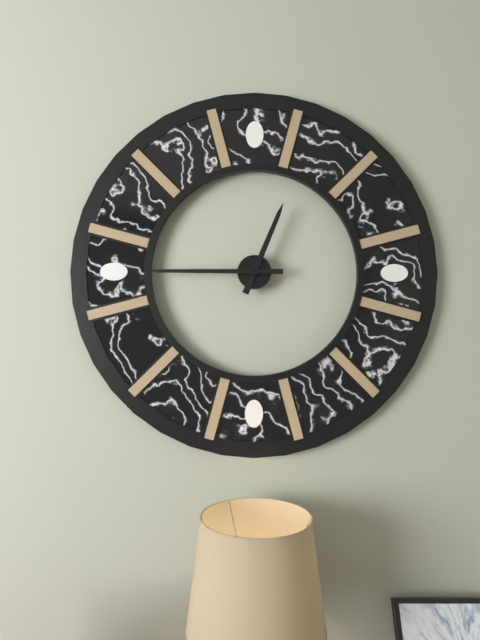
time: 12:45
